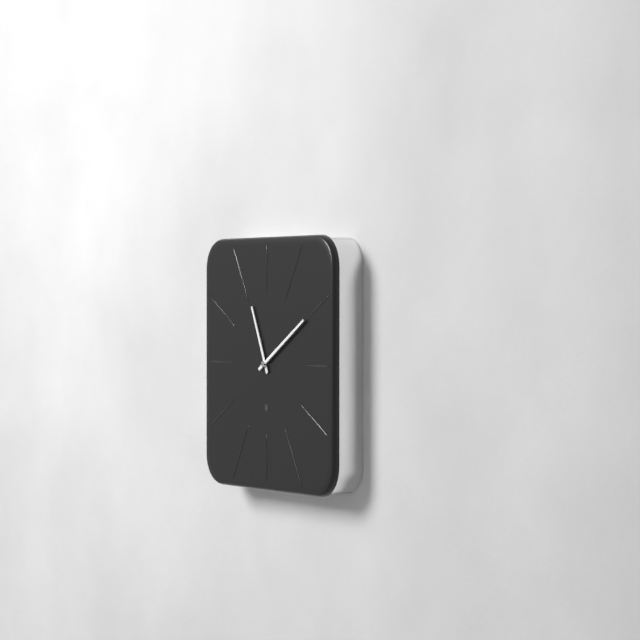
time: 11:10
